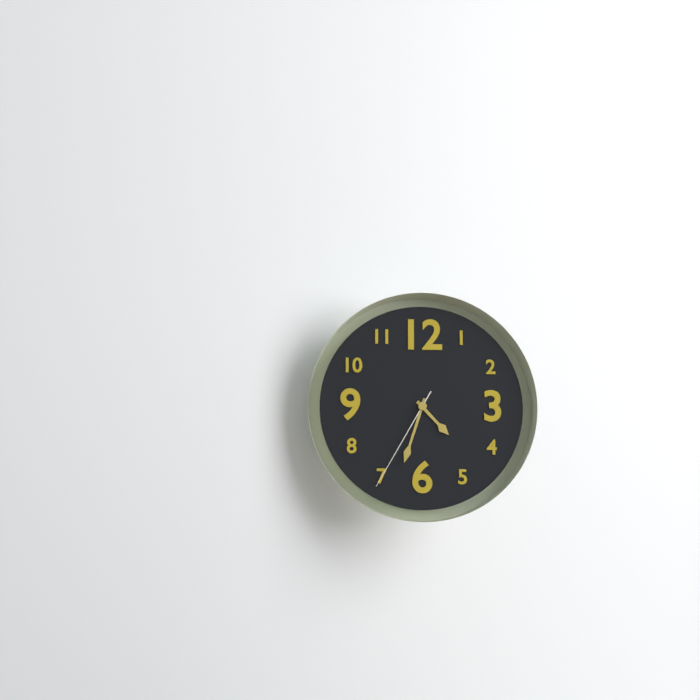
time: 4:33:35
